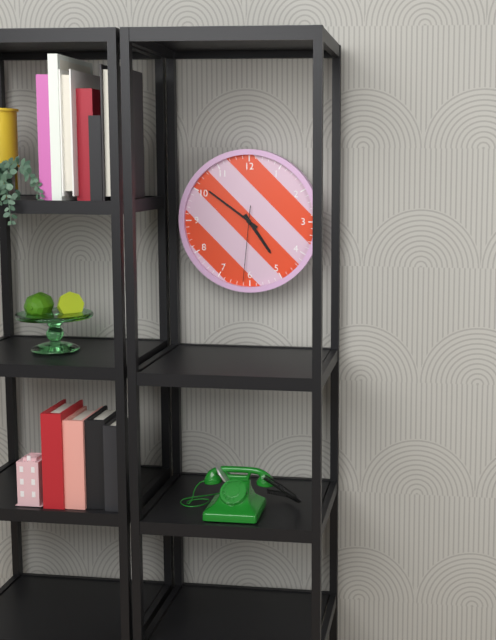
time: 4:51:31
